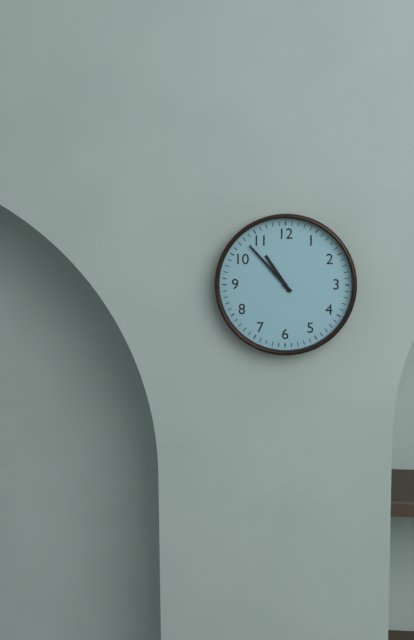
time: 10:53
